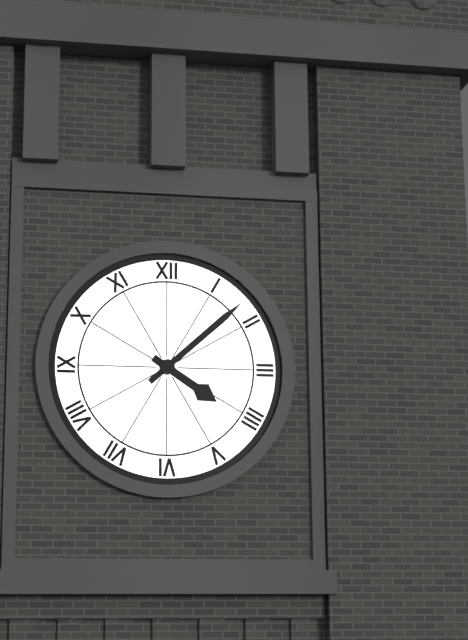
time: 4:08
